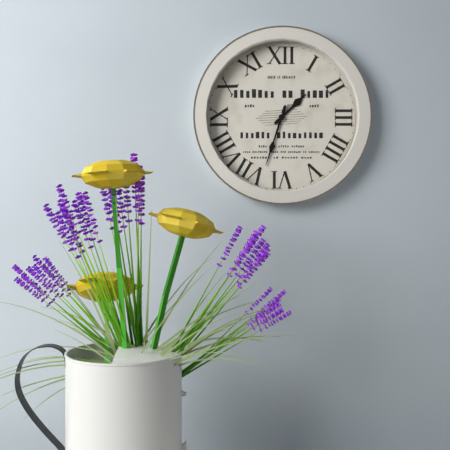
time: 1:33
